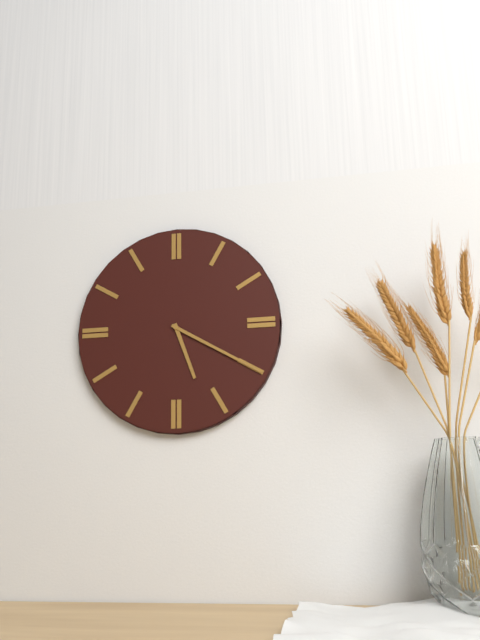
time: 5:20
